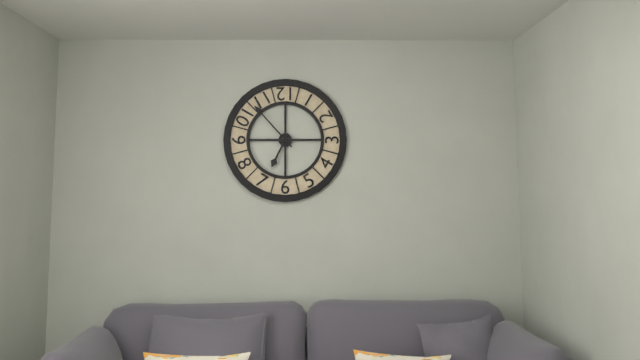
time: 6:53
